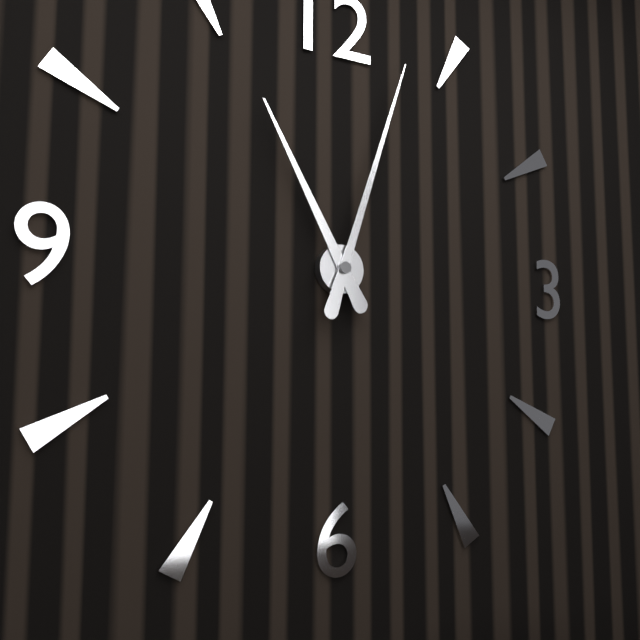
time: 11:03
